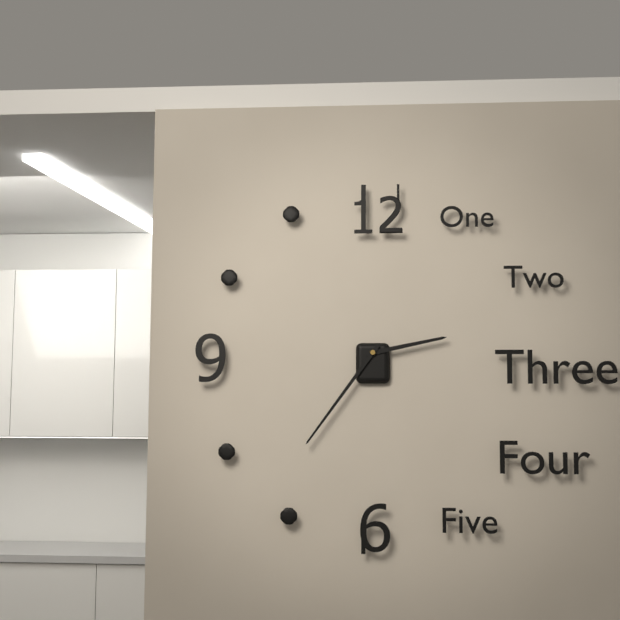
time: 2:36
